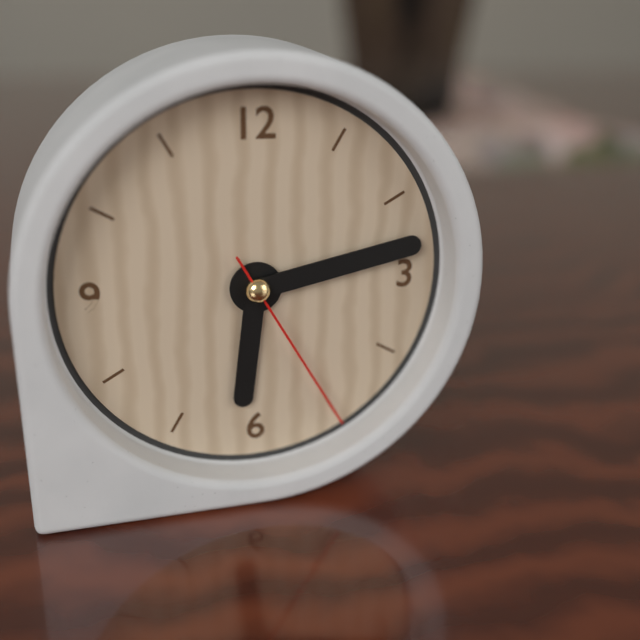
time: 6:13:25
